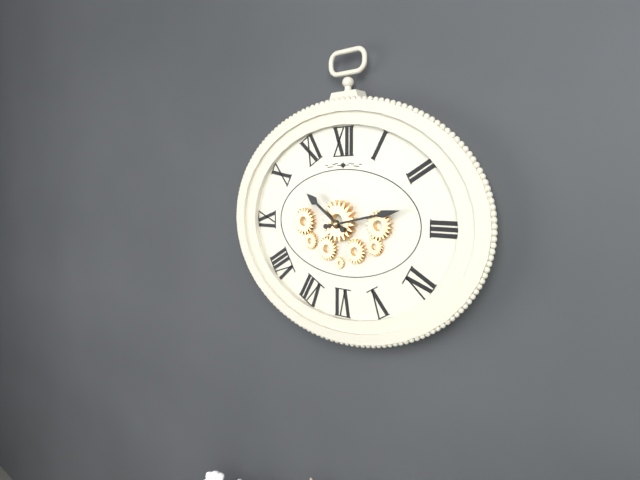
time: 10:13
